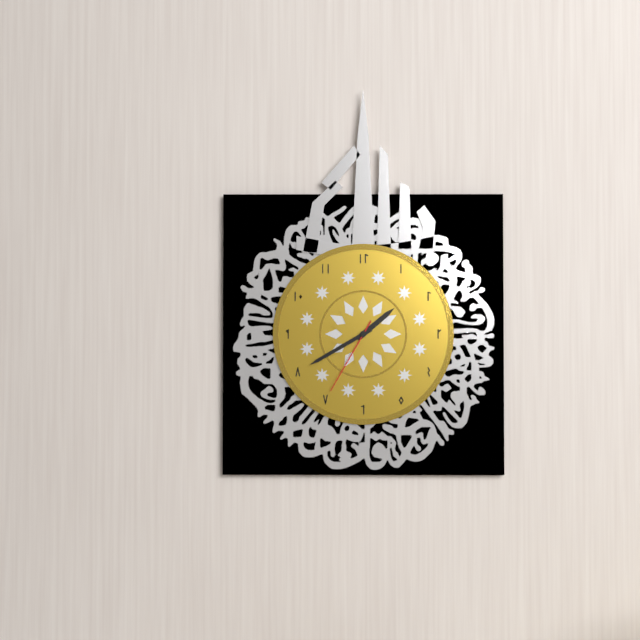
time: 1:40:35
